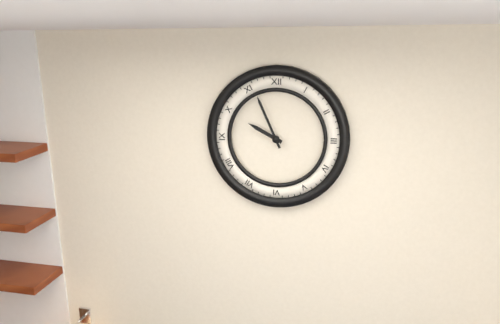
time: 9:56
